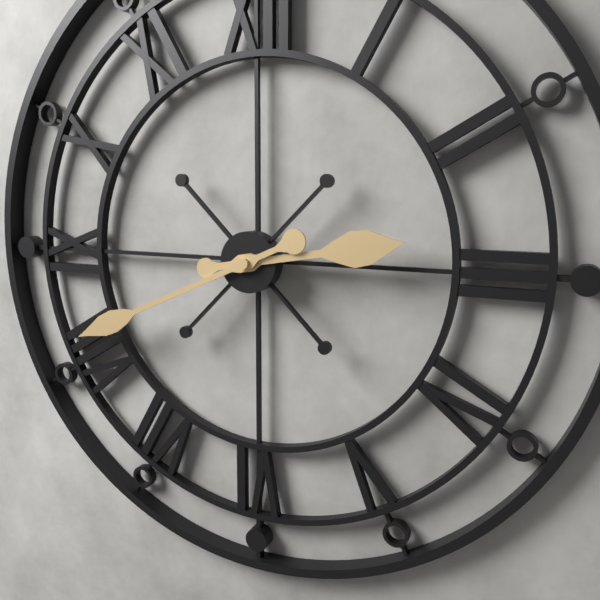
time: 2:41
